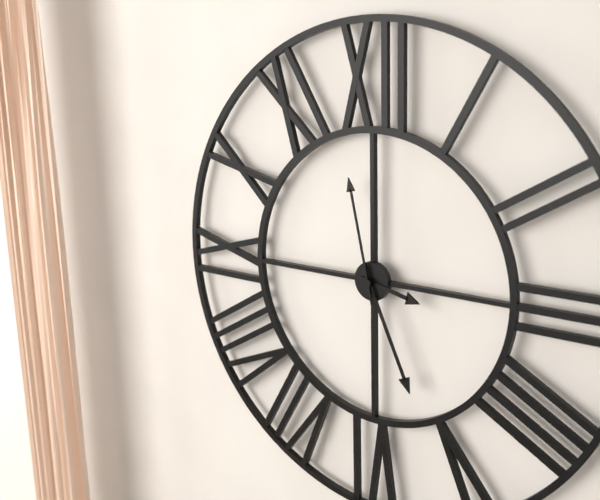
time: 3:26:58
